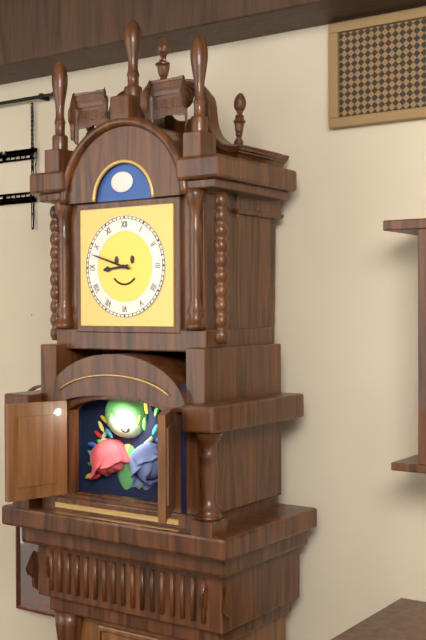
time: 8:48
